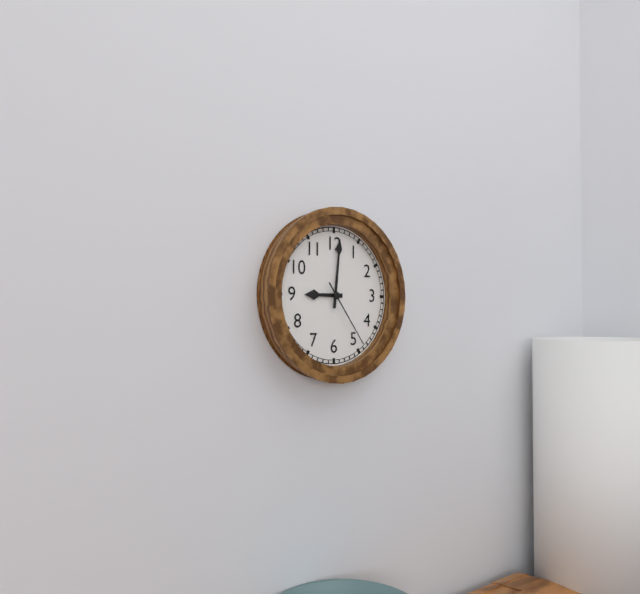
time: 9:01:24
